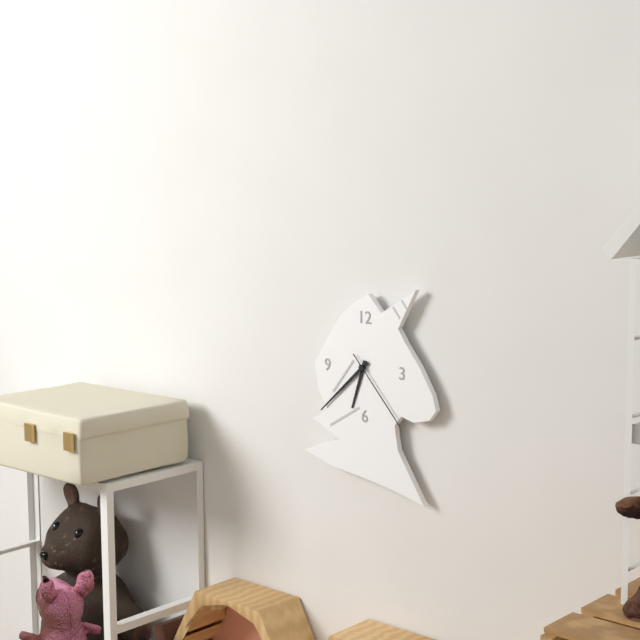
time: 6:38:23
